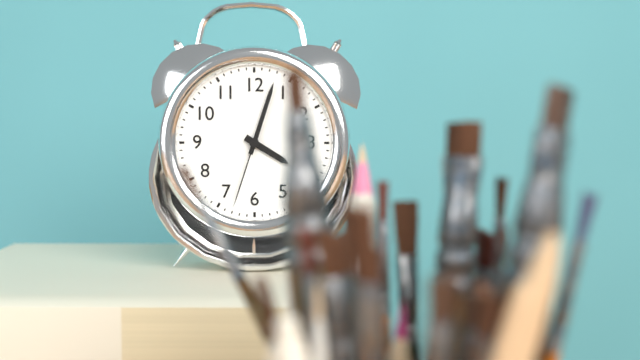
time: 4:03:33
